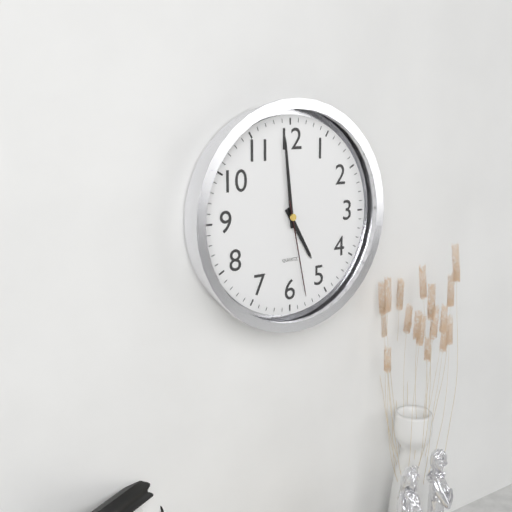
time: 4:59:28
